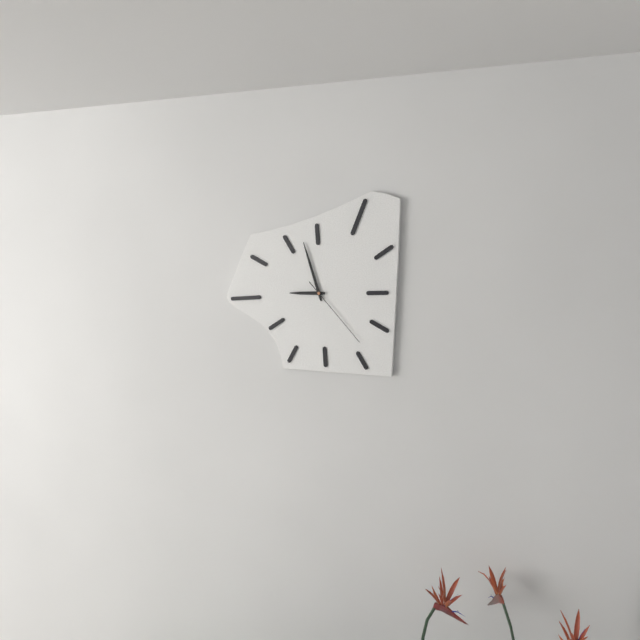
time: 8:57:23
